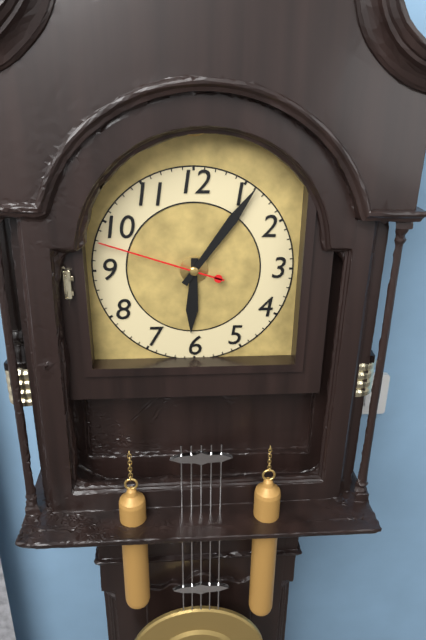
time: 6:06:48
